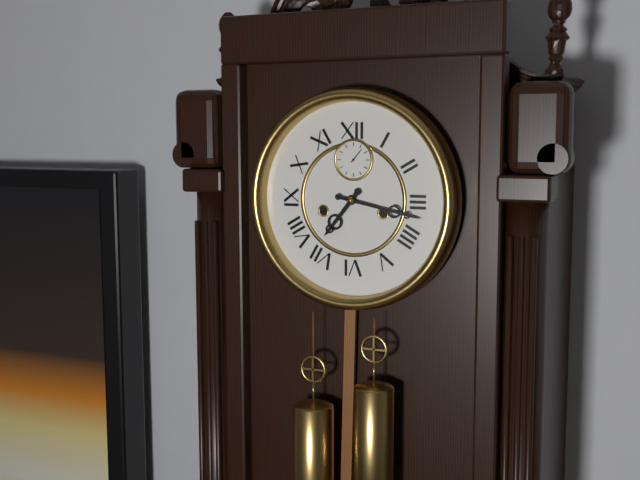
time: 7:17
